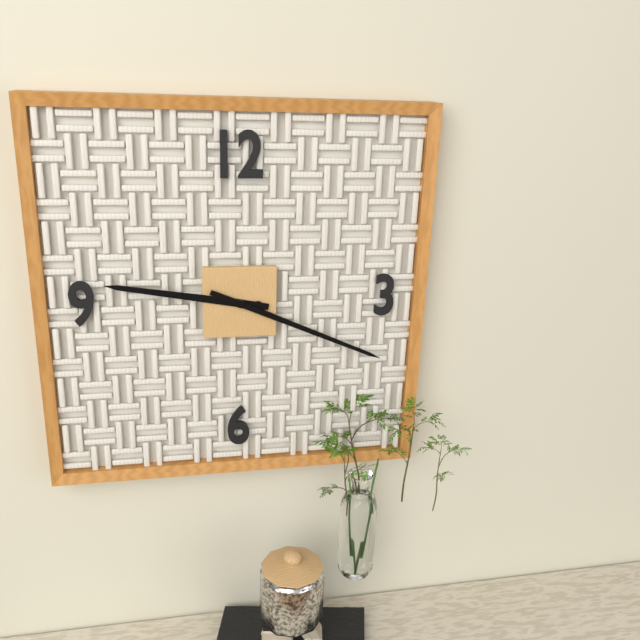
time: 9:19
